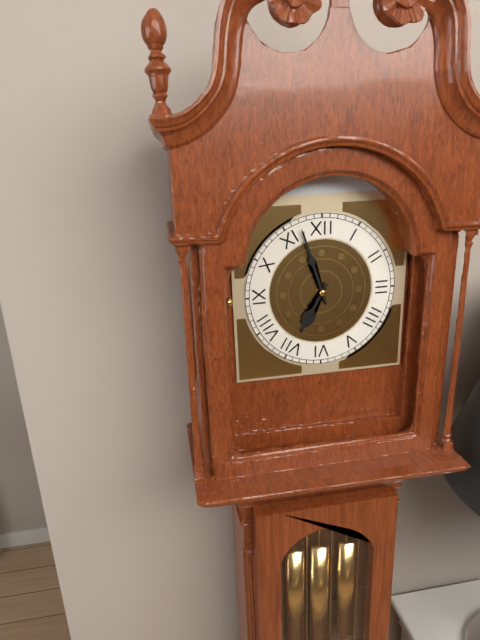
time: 6:57
